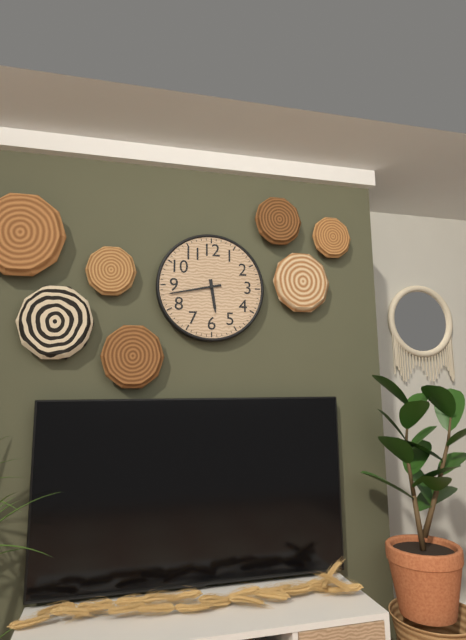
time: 5:43
